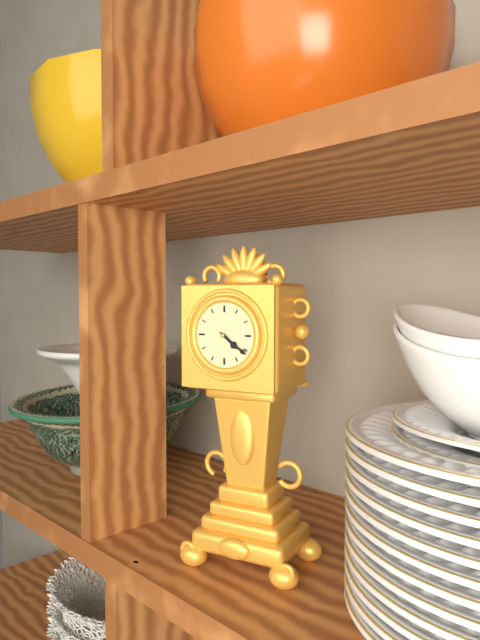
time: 4:21
